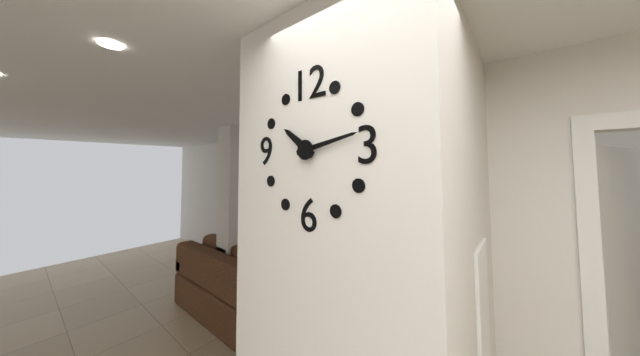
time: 10:13
